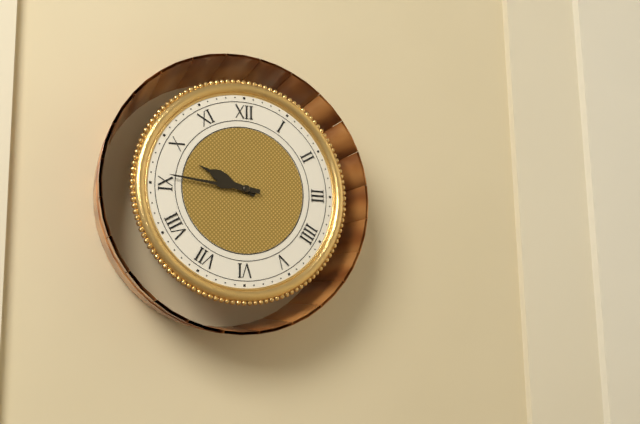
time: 9:46
